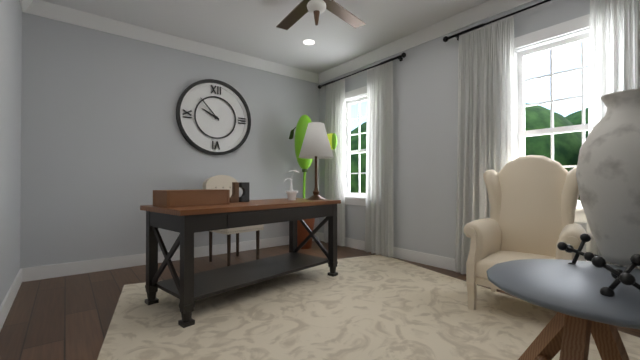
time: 9:53
